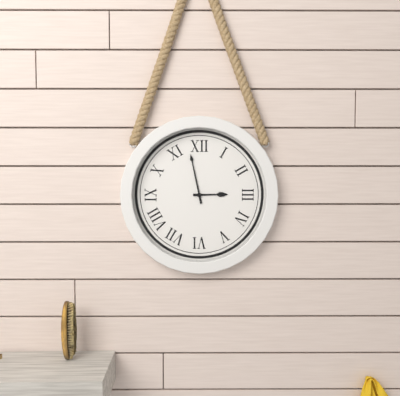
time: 2:58
